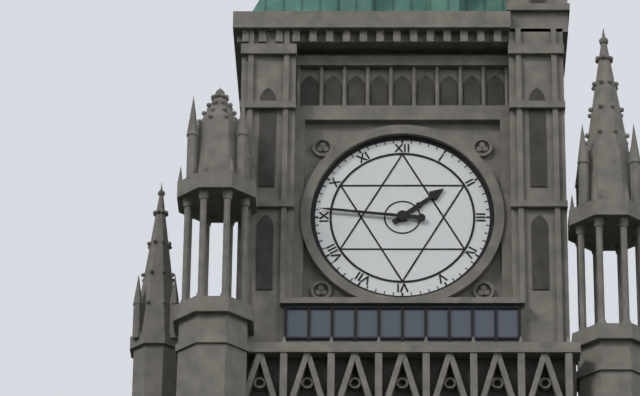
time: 1:46
